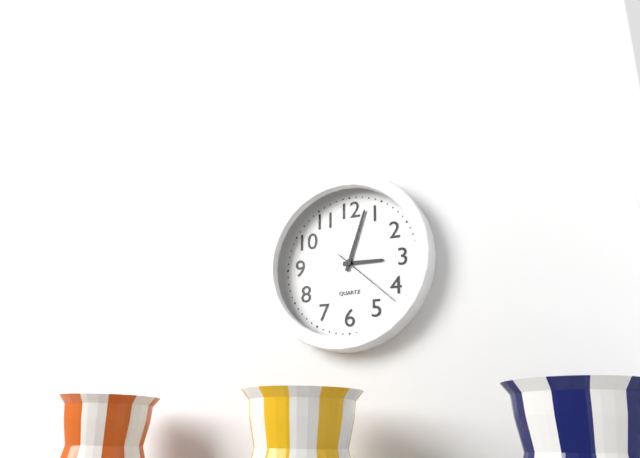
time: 3:03:22
